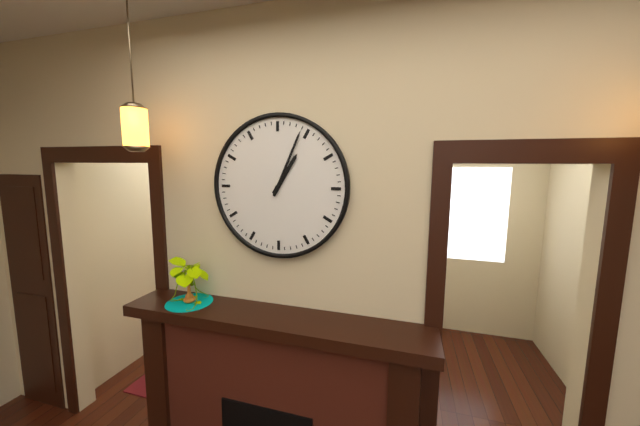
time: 1:04
